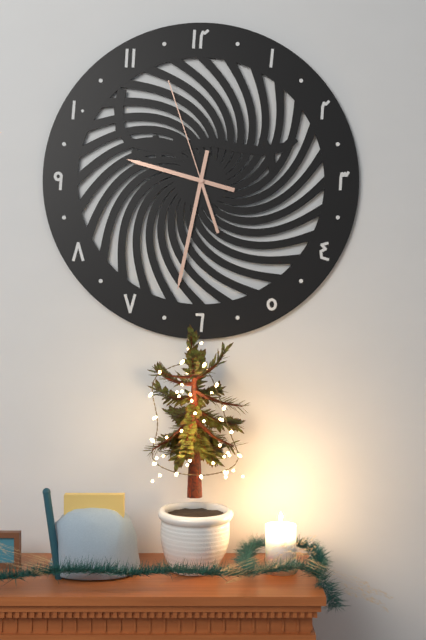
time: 9:32:57
